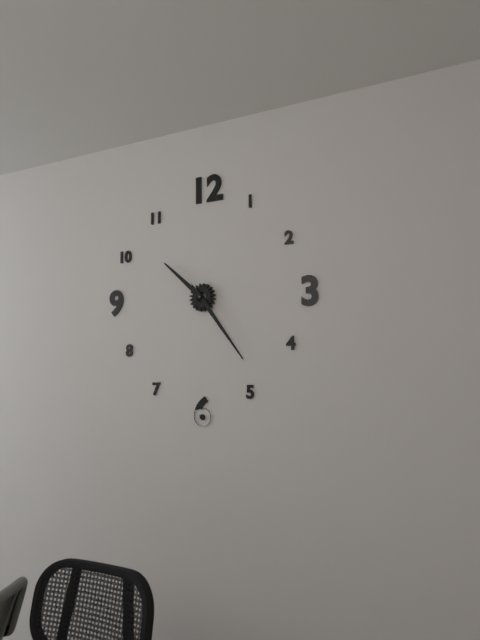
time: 10:24
